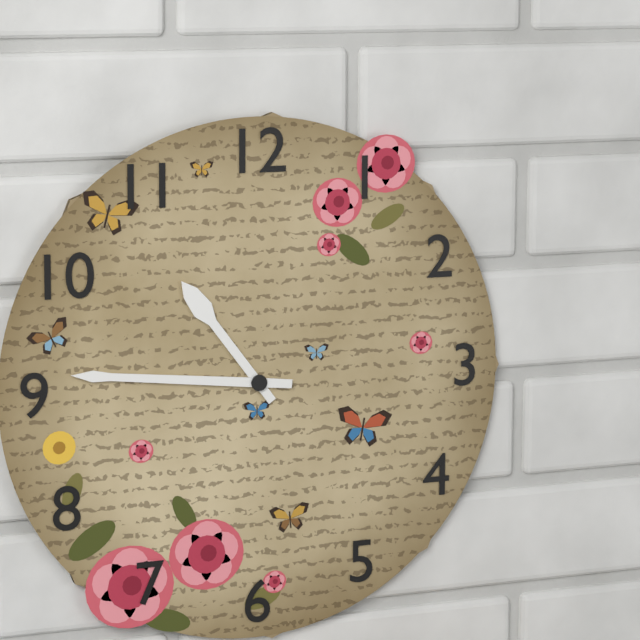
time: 10:46
